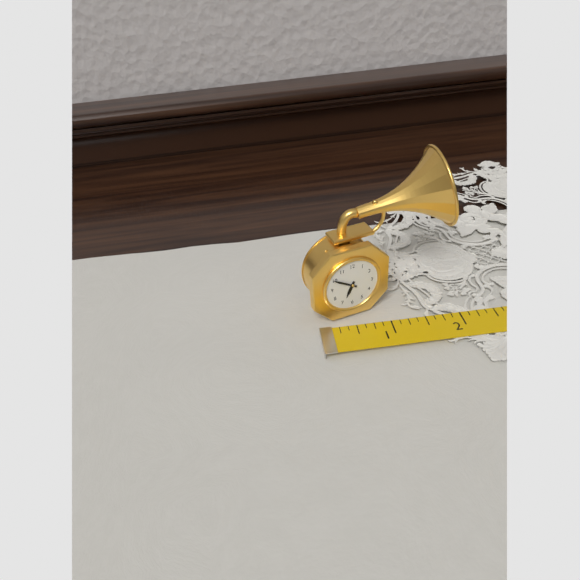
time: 6:50
